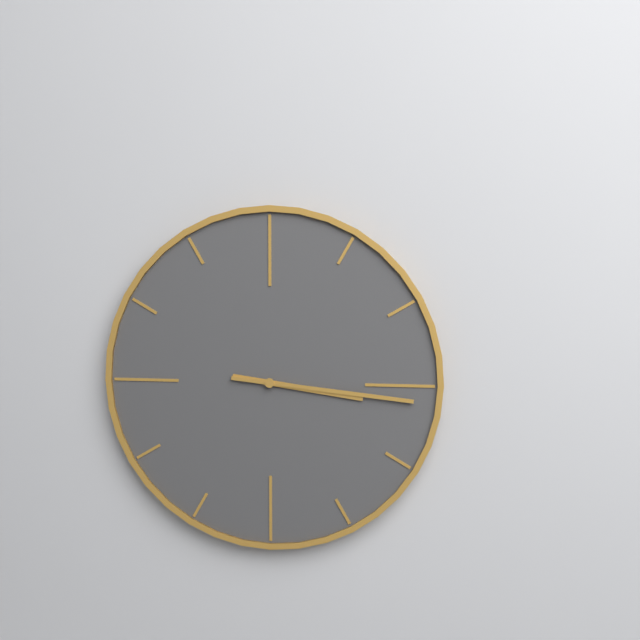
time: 3:16
